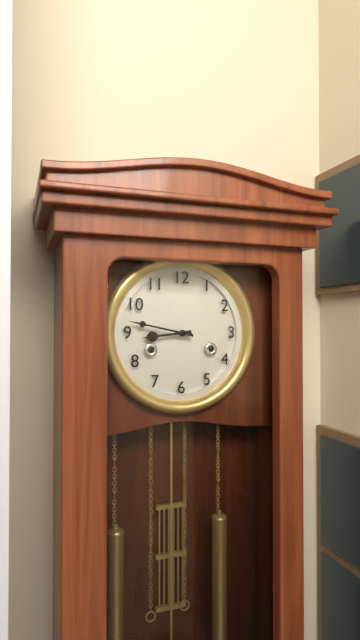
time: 8:47
